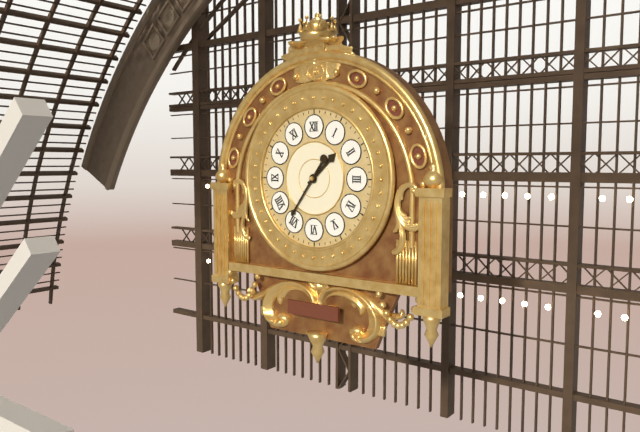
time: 1:36
